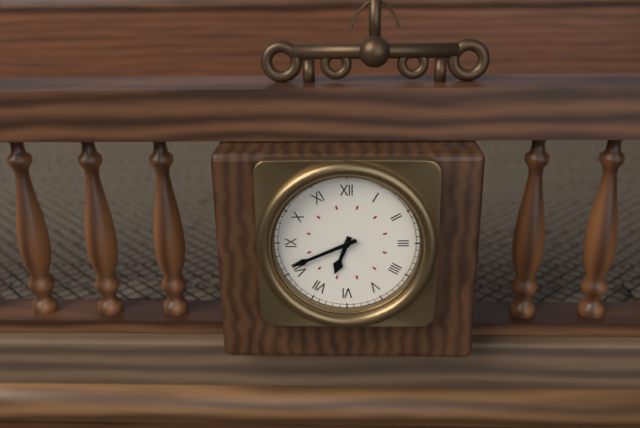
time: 6:41
